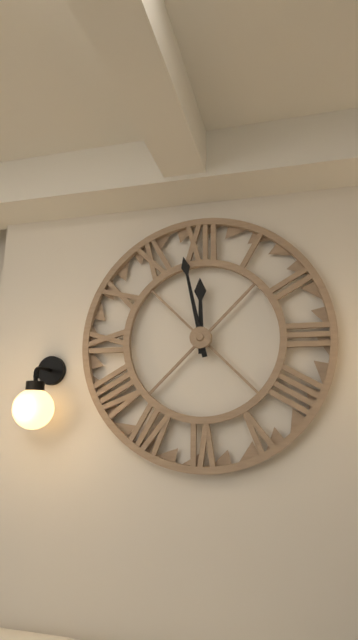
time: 11:58
